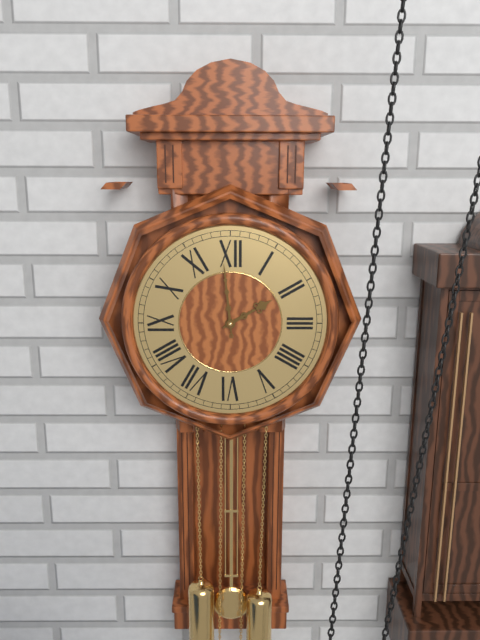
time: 1:59
